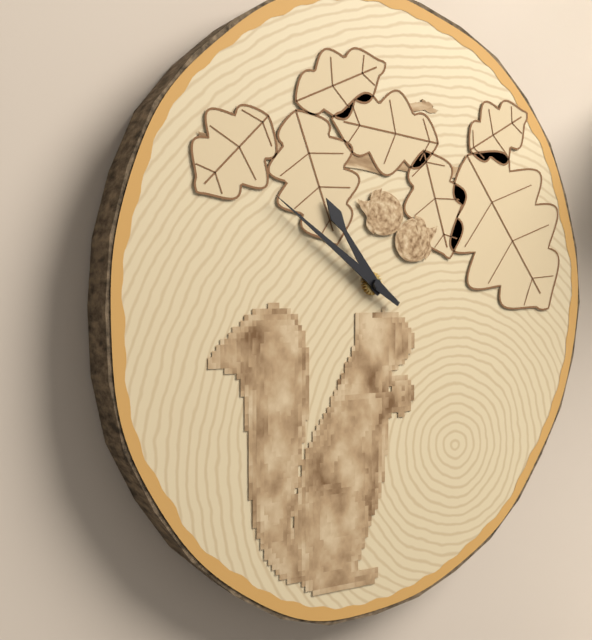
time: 10:51
